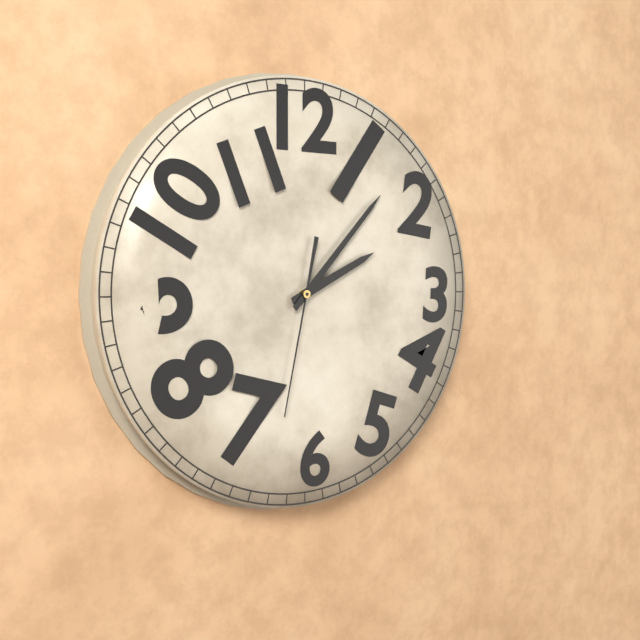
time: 2:07:32
